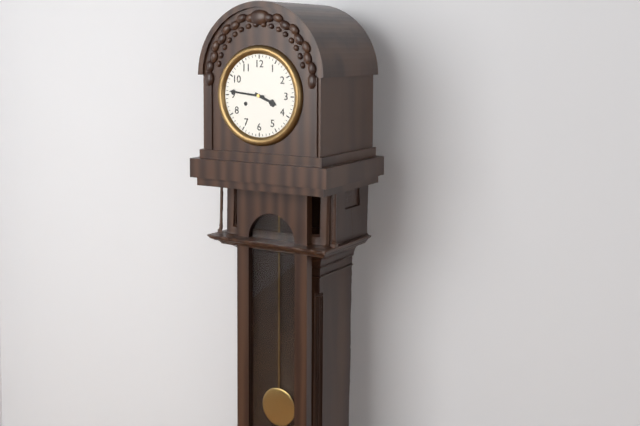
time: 3:46
